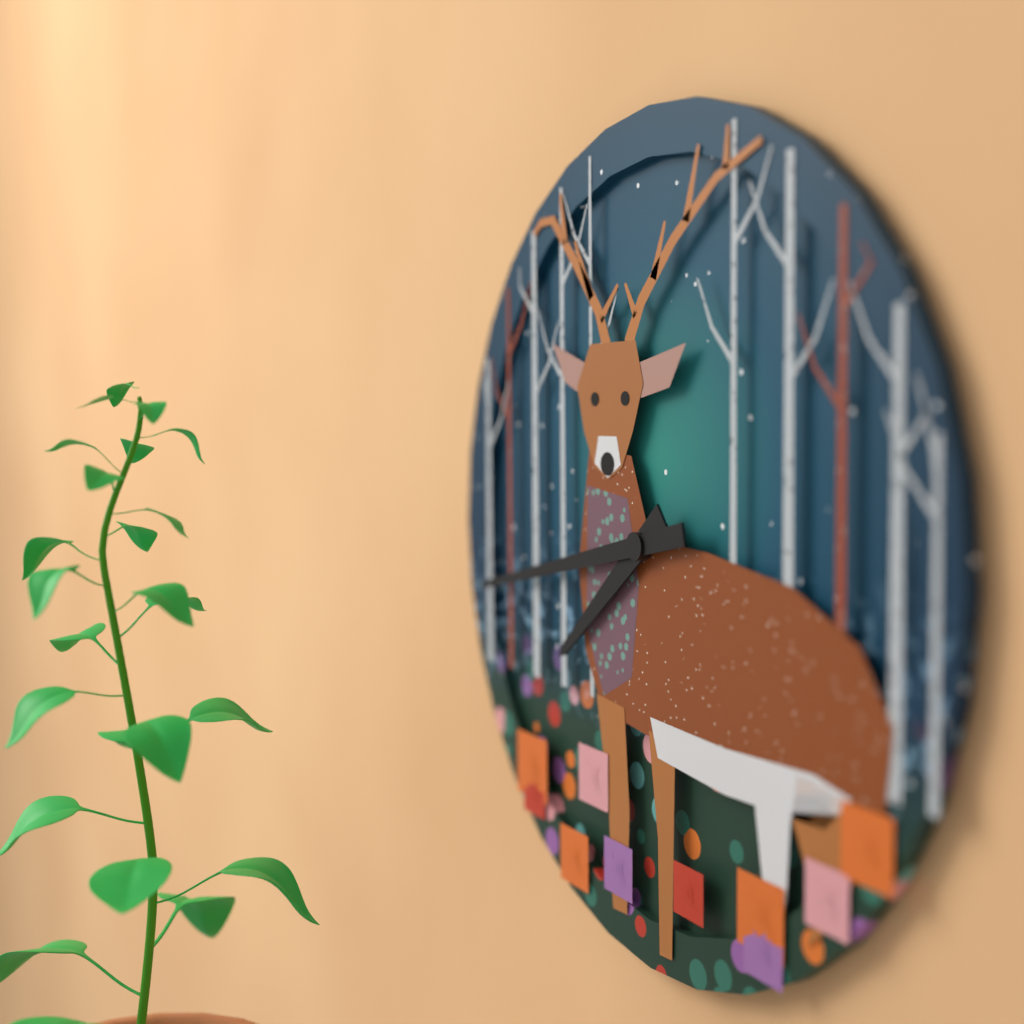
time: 7:43
